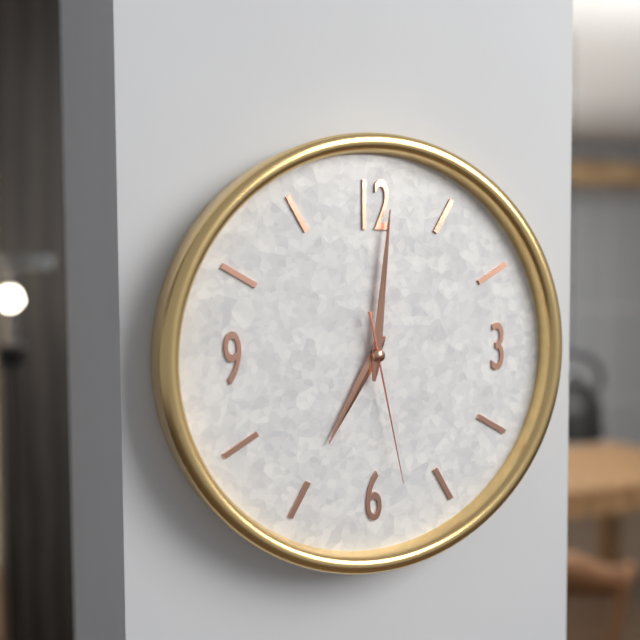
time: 7:01:28
